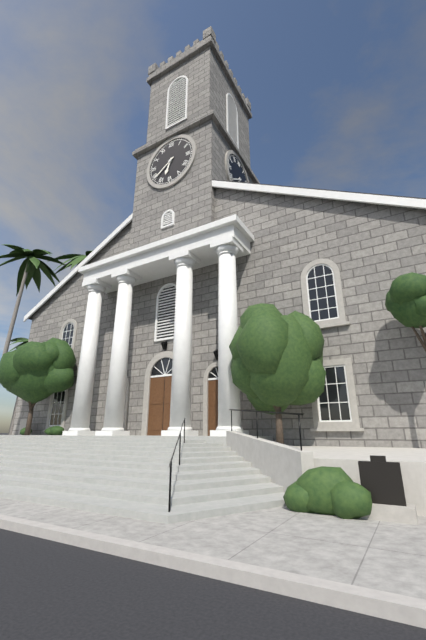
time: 6:39
